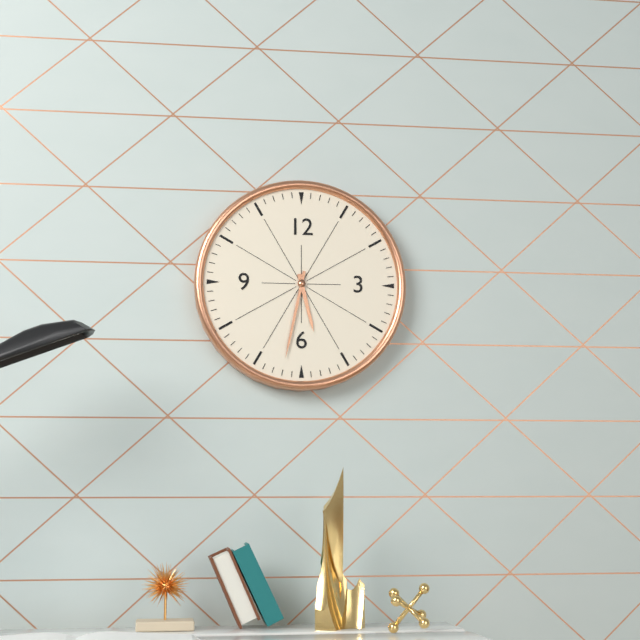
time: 5:32
